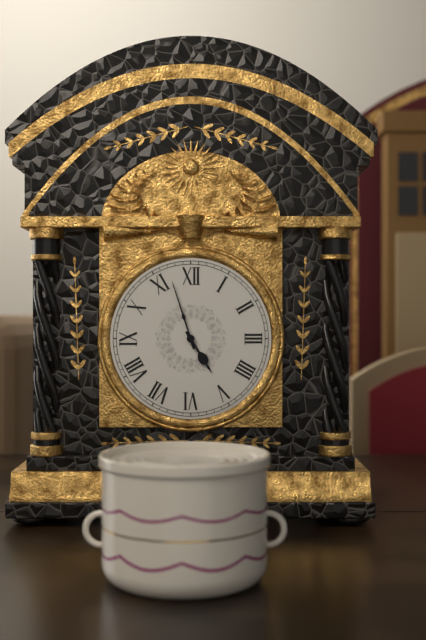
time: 4:57
